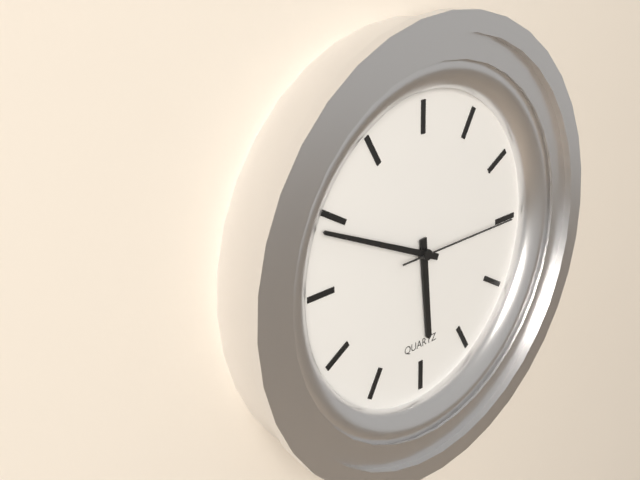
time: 5:49:15
